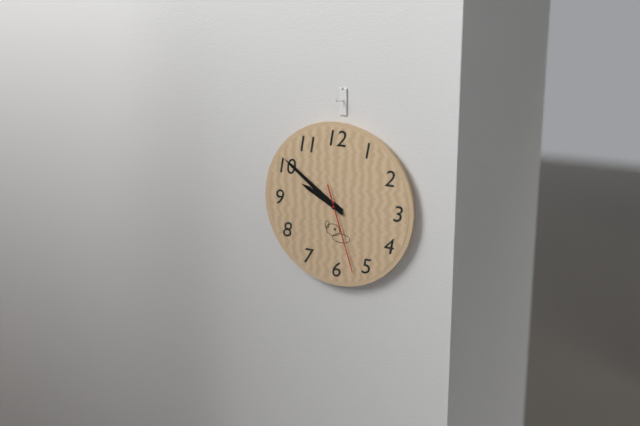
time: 9:51:27
